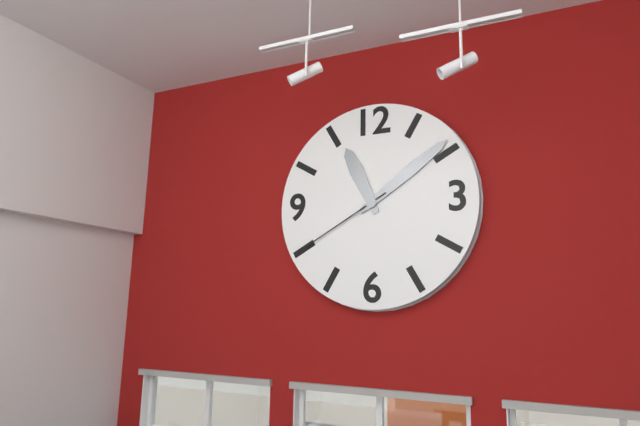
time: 11:09:40
